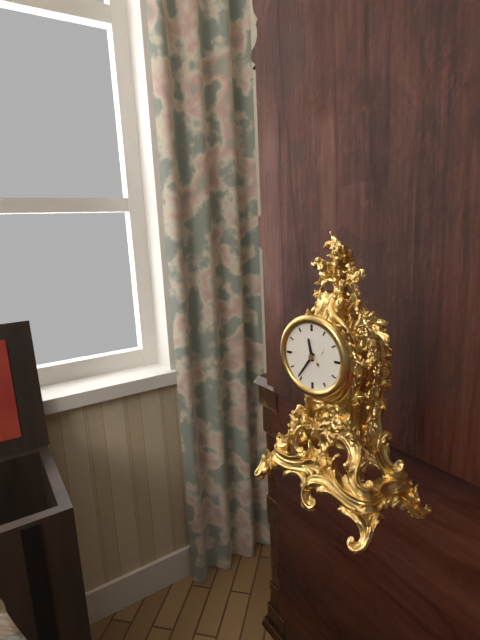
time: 11:36
